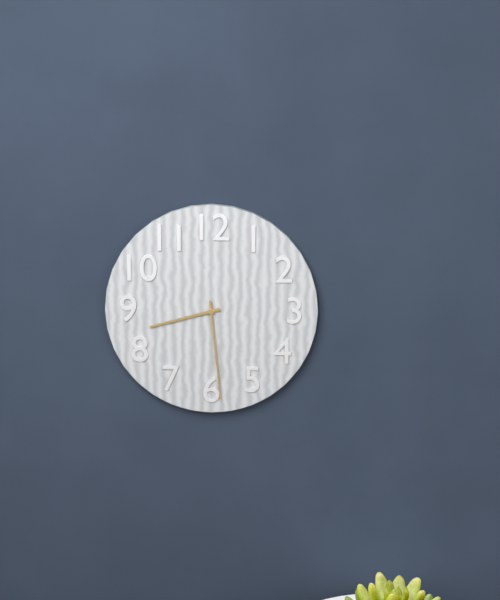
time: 8:29
